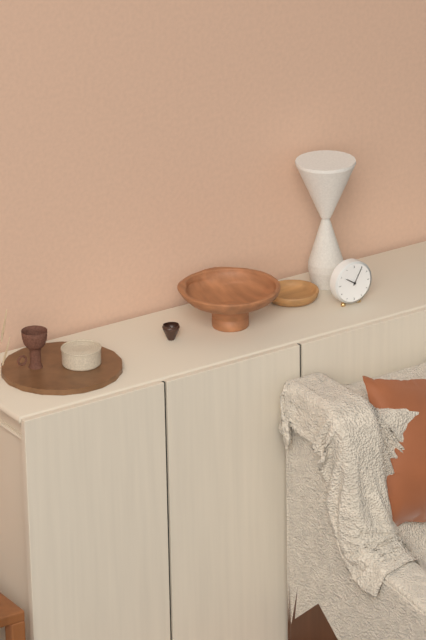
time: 10:05
